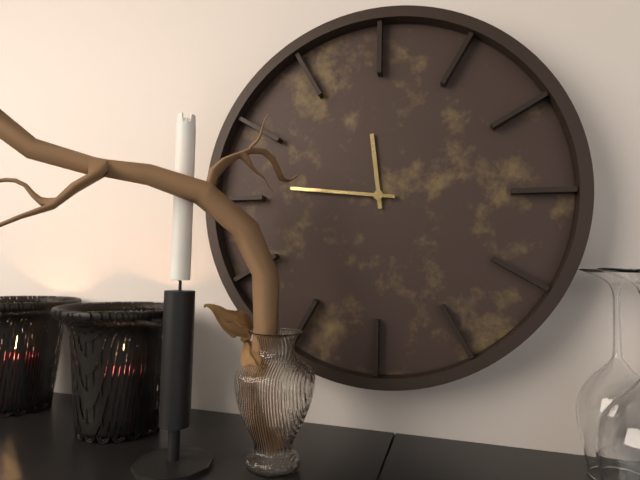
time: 11:46
